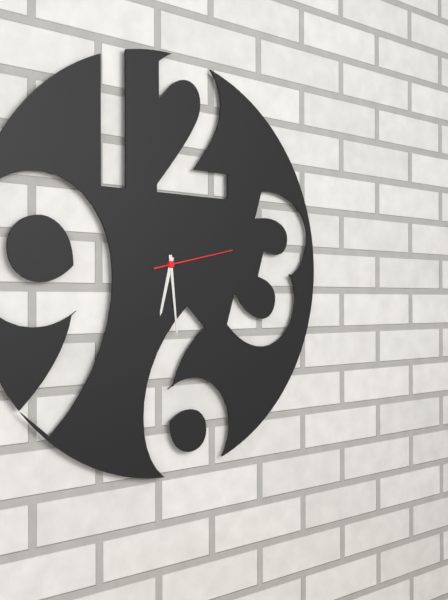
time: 6:29:13
